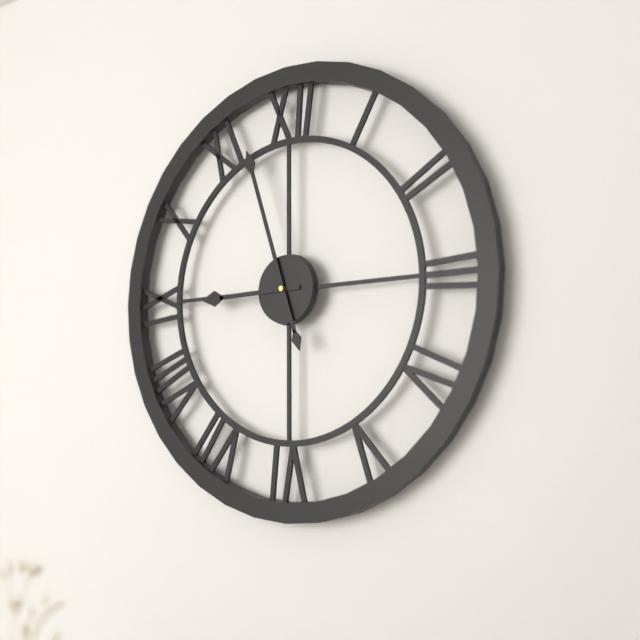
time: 8:57
